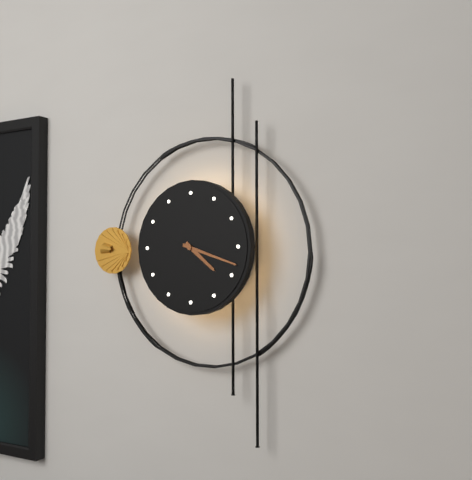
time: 4:18
